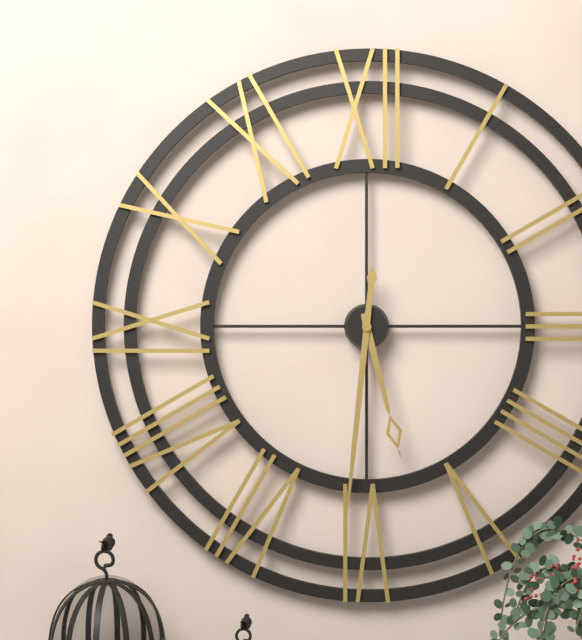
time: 5:31
